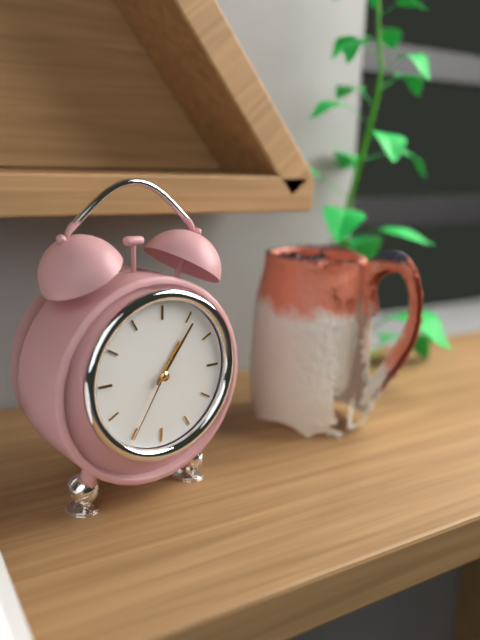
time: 1:06:35
